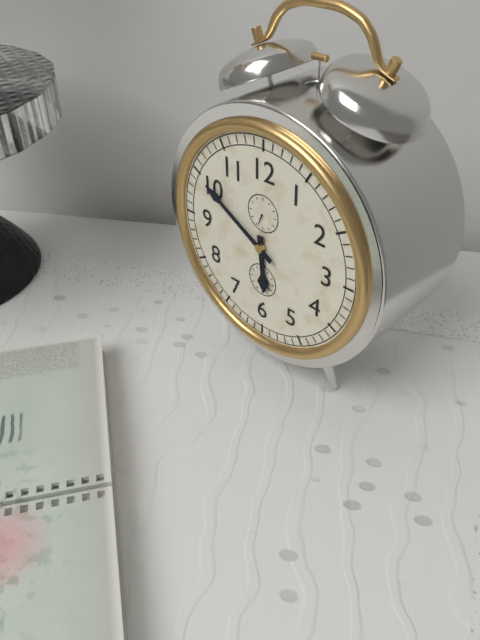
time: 5:50
